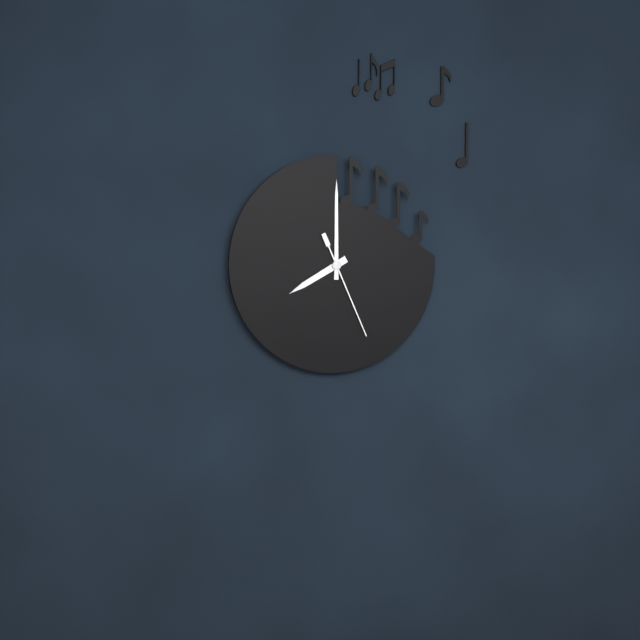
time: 8:00:26
